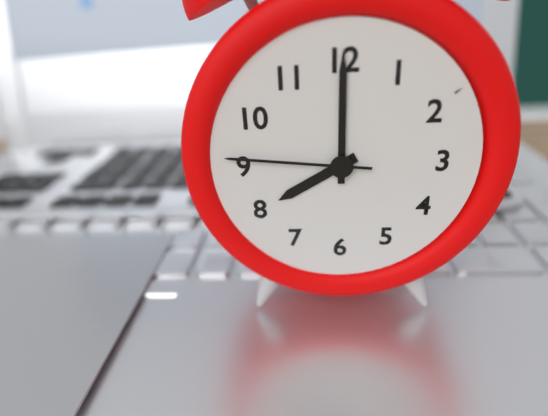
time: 8:00:46
